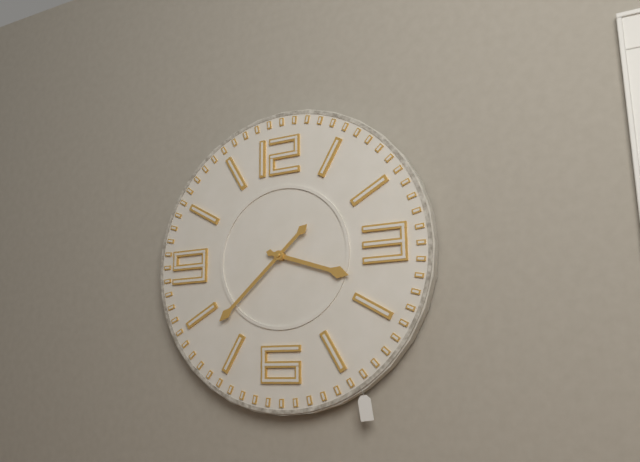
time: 3:38
